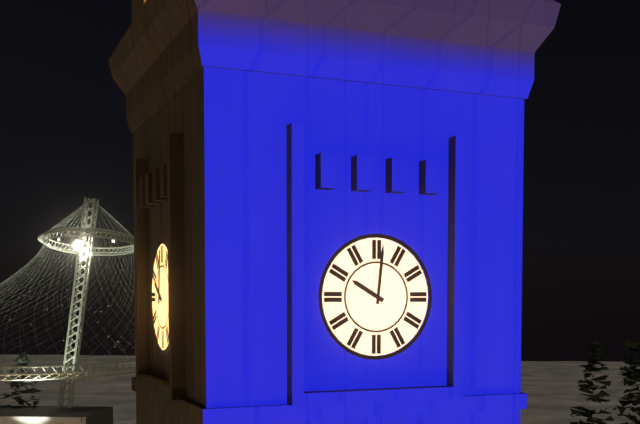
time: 10:01
